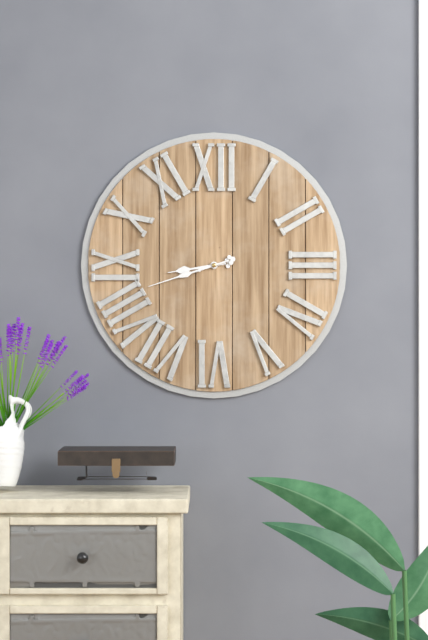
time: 8:42
